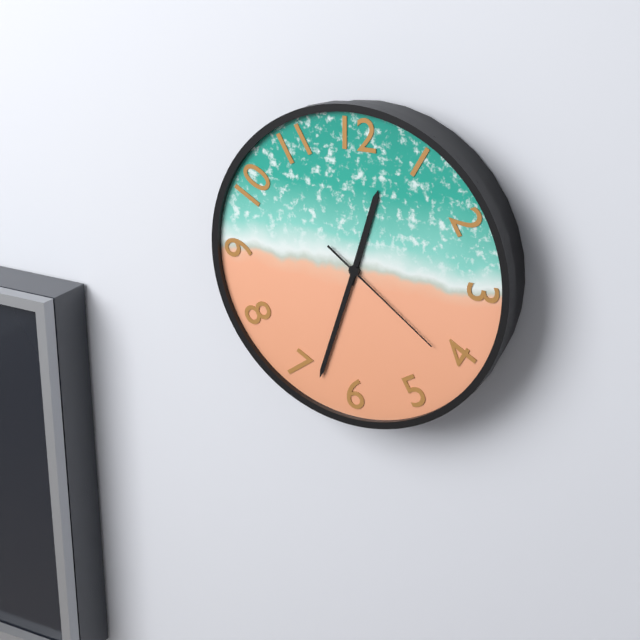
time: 12:33:21
